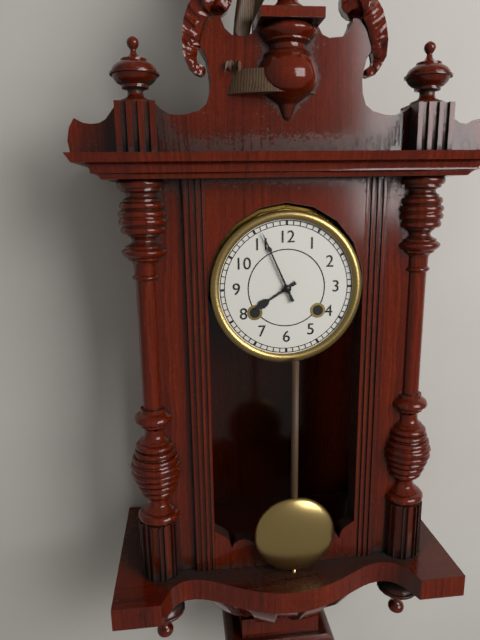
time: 7:56
